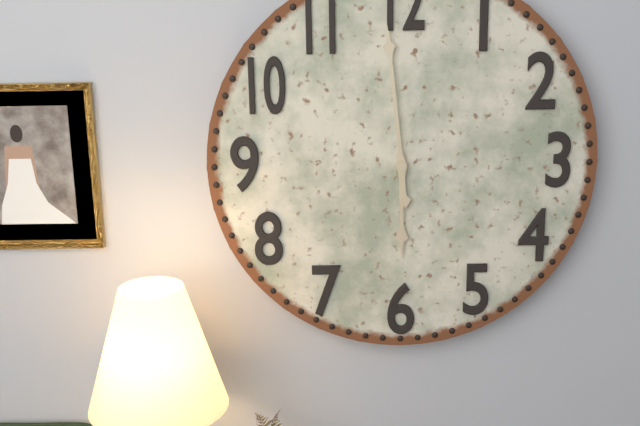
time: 5:59
